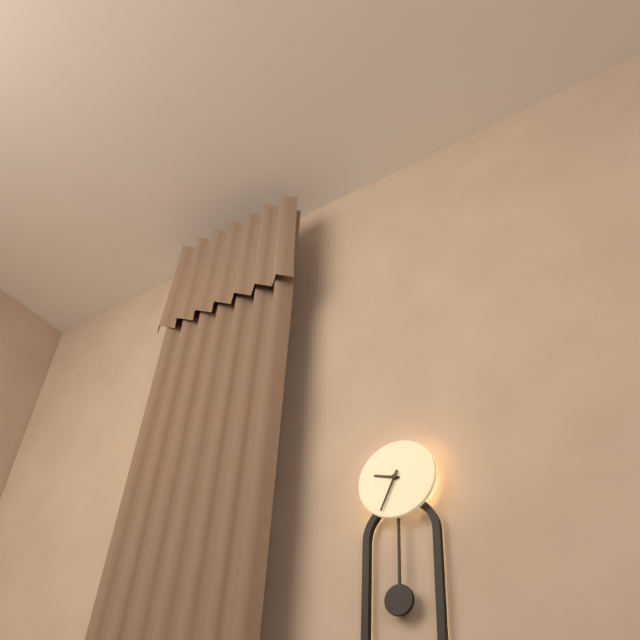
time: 9:34
